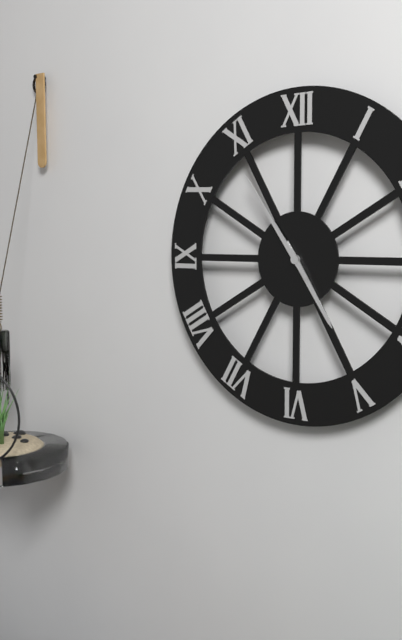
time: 4:54
